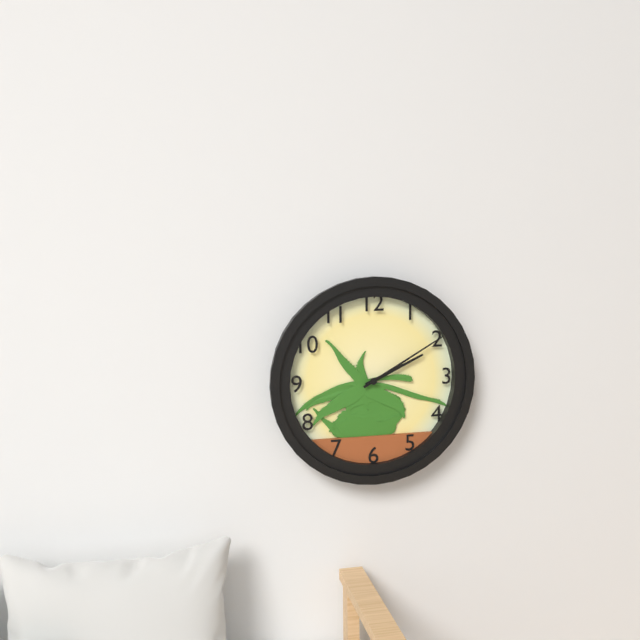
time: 2:10
